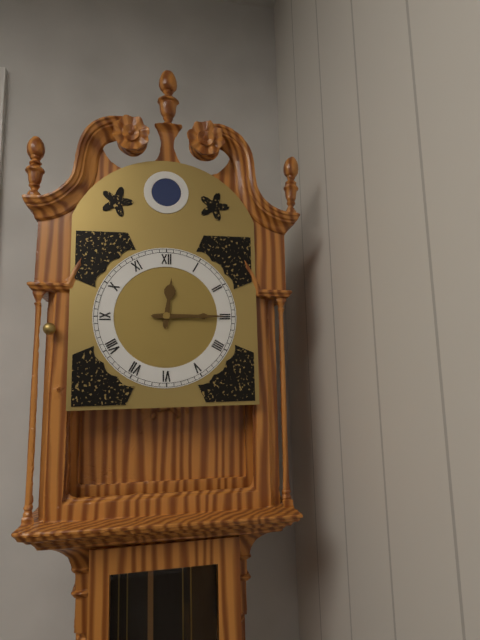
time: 12:15
